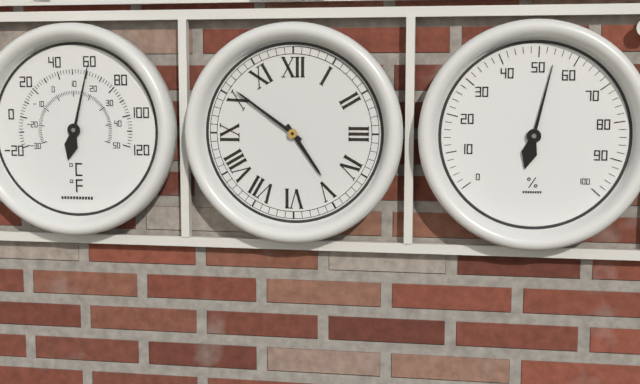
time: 4:51
